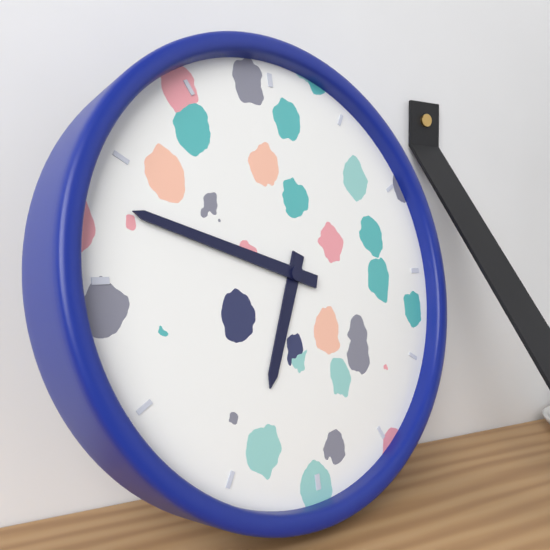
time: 6:48
